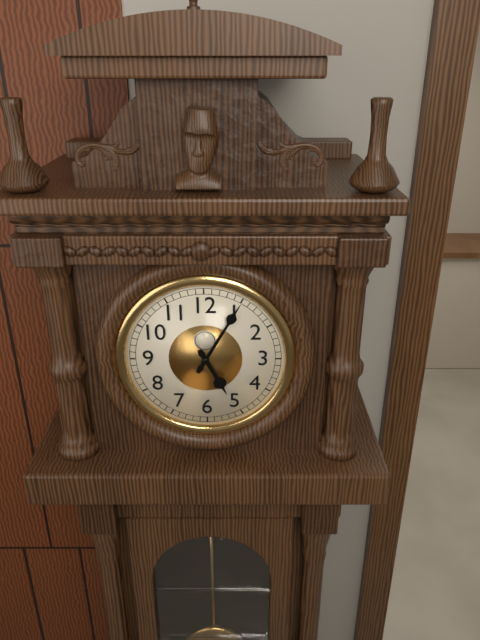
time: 5:05
